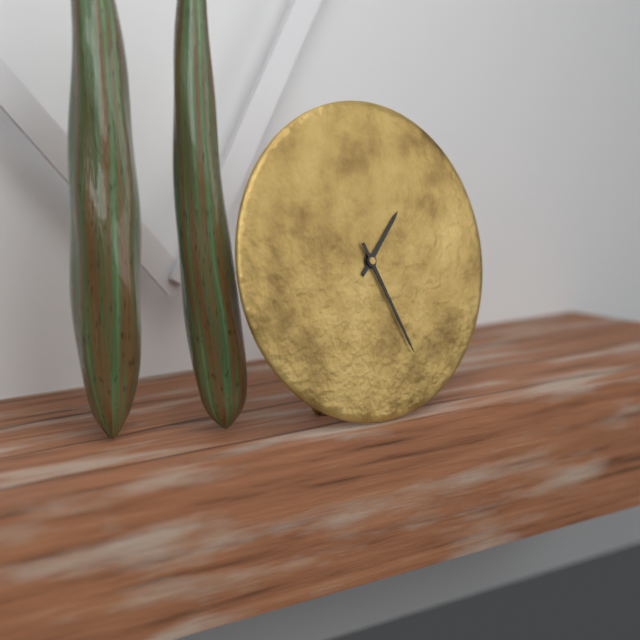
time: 1:26
